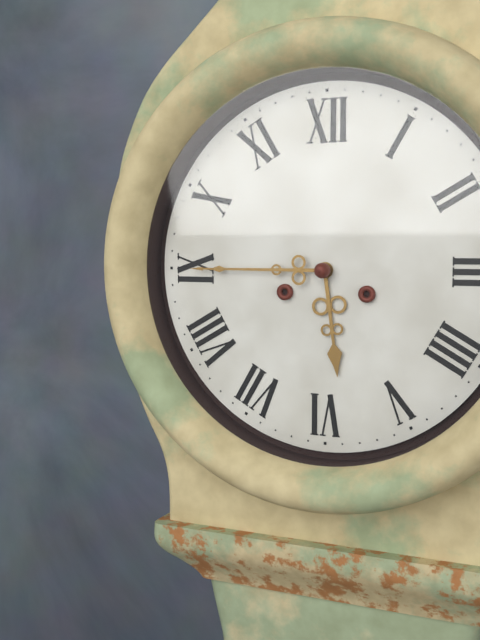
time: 5:45
